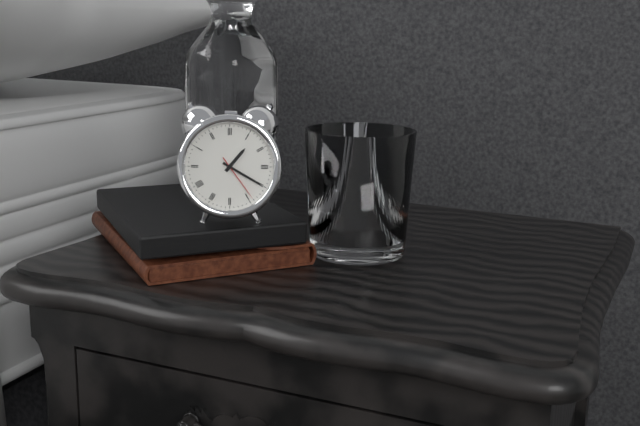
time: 1:20
